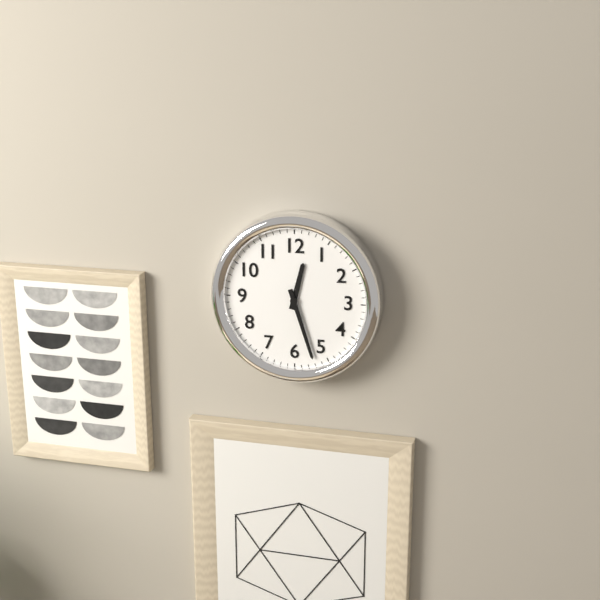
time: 12:27
